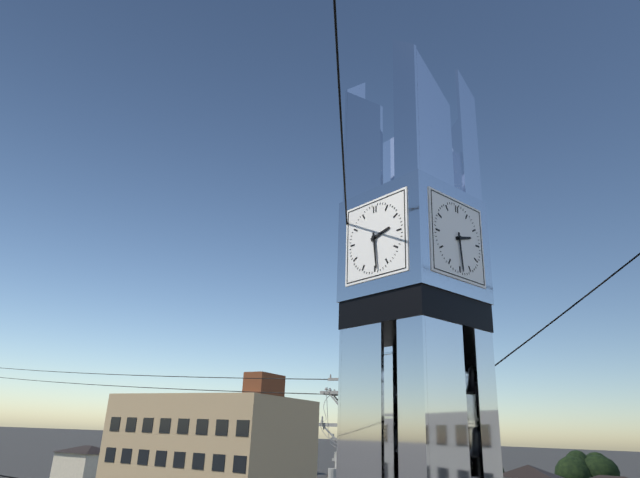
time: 2:29
